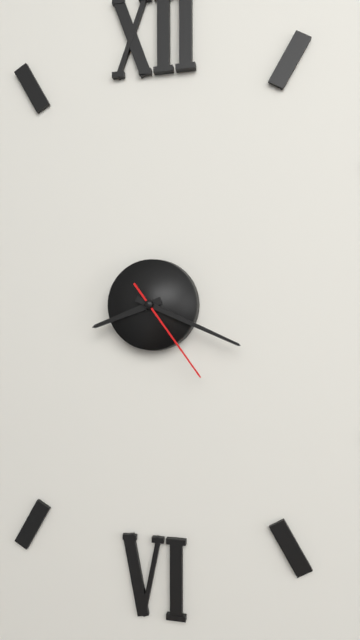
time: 8:19:24
